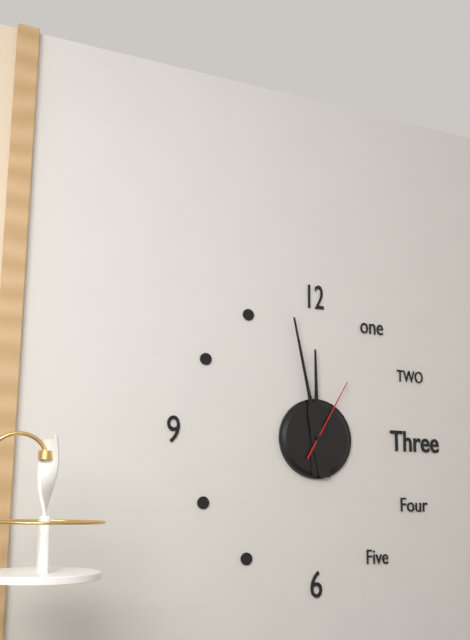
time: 11:58:05
